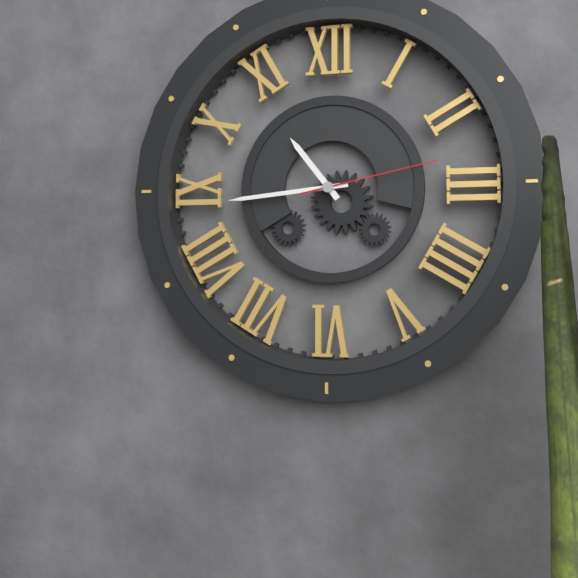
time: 10:44:13
